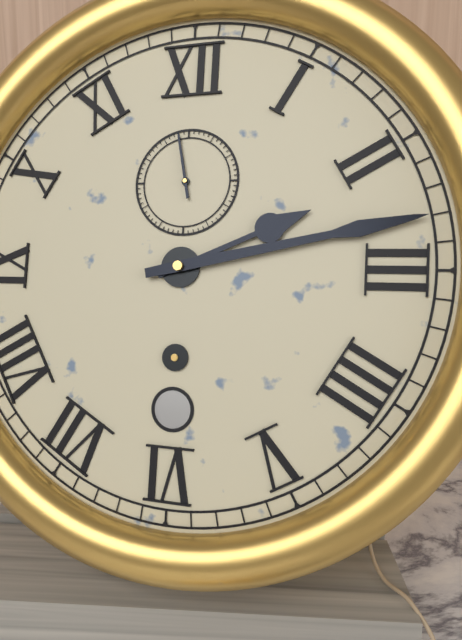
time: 2:13:58
